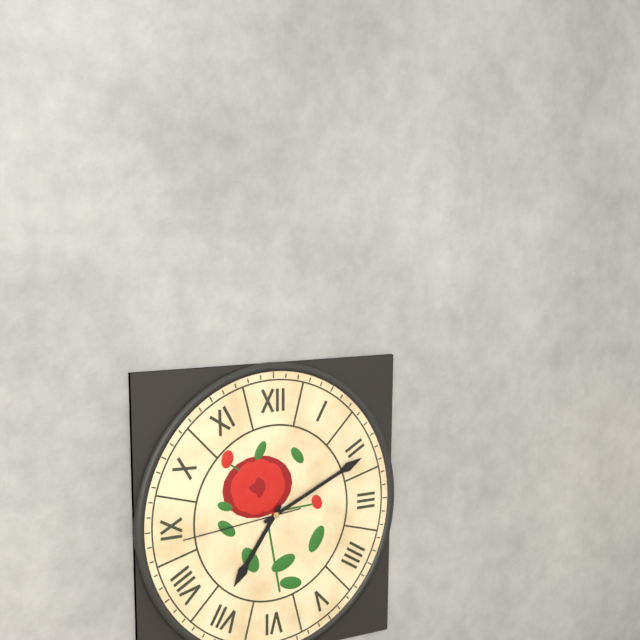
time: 7:11:44
